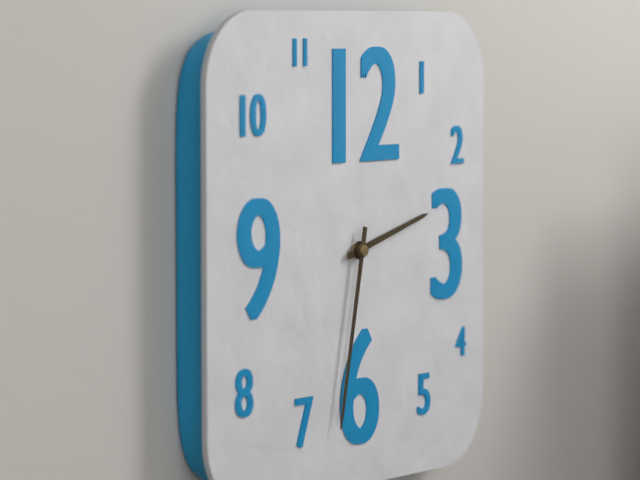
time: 2:32
